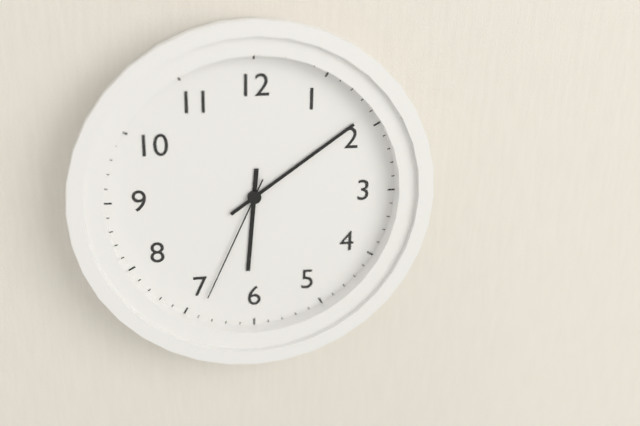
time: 6:09:34
